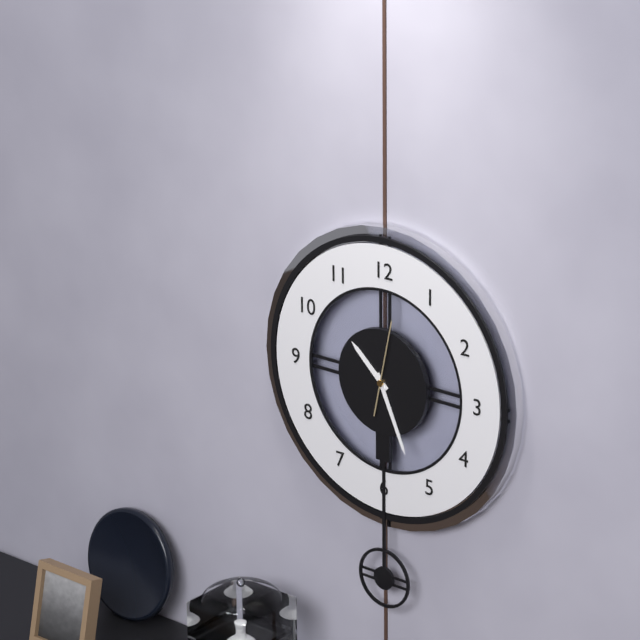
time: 10:26:02
